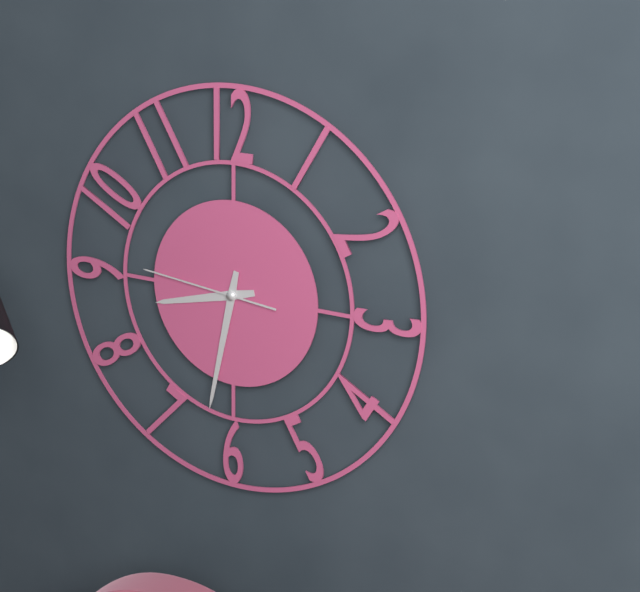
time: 8:32:46
